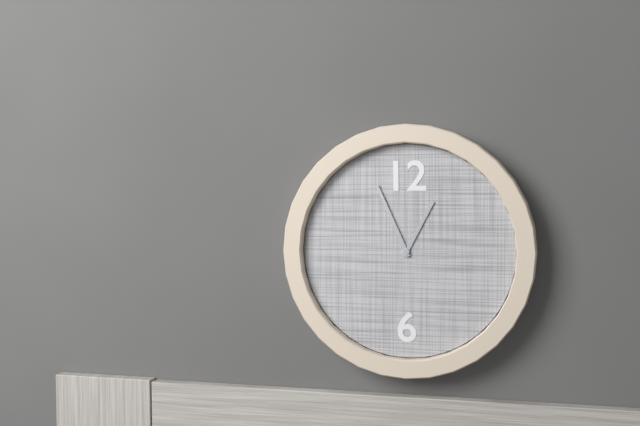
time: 12:56
